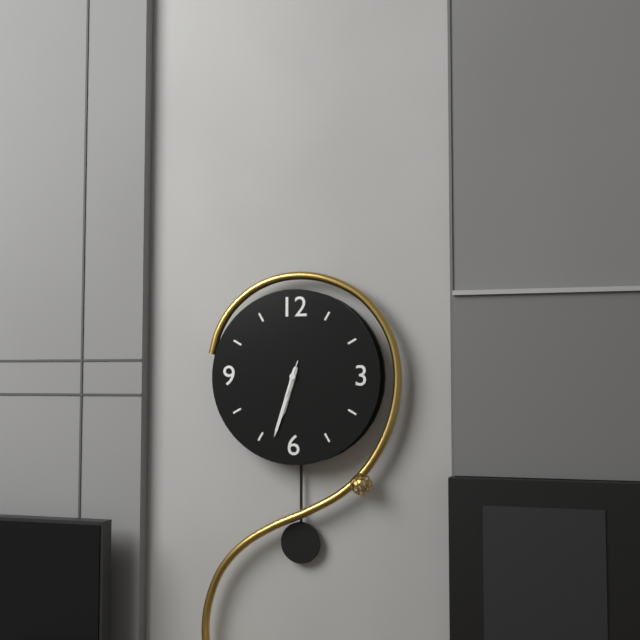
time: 6:33
